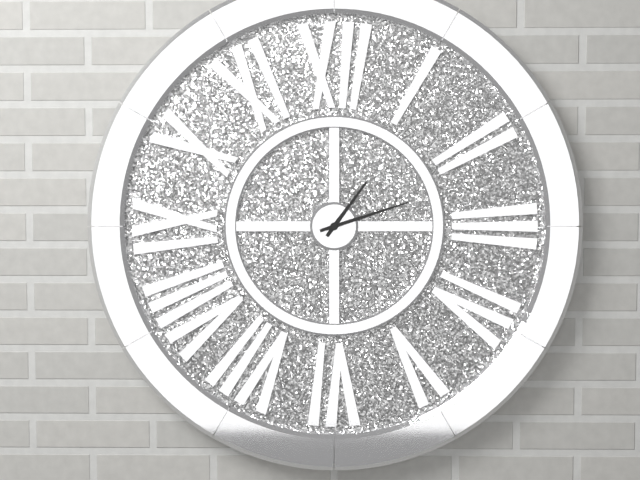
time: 1:12
